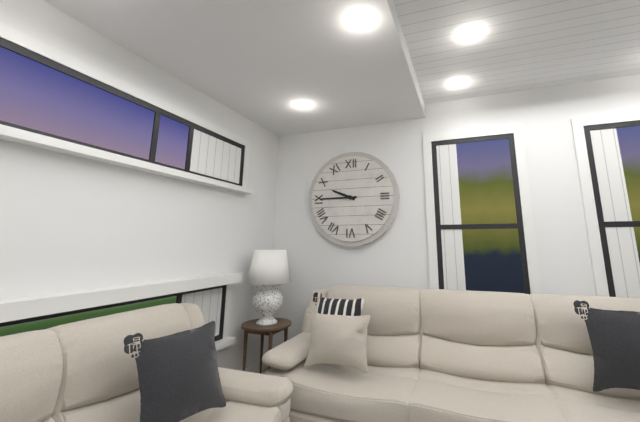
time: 9:45
